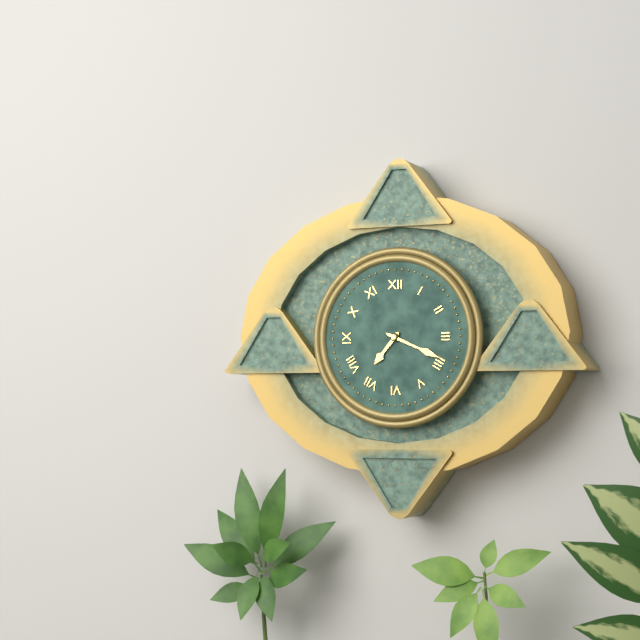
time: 7:19
